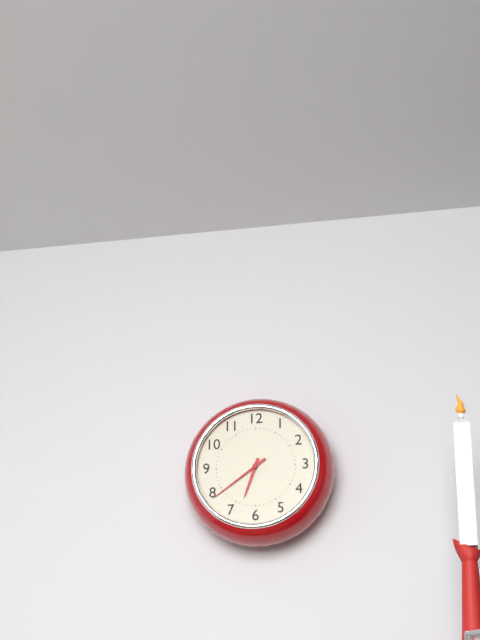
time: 6:39
